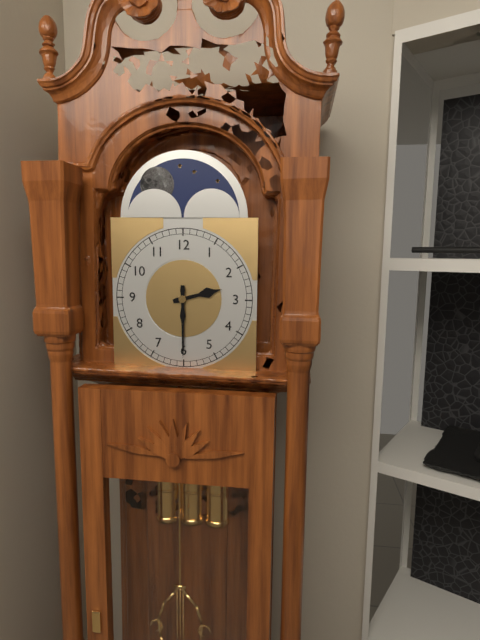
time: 2:30
